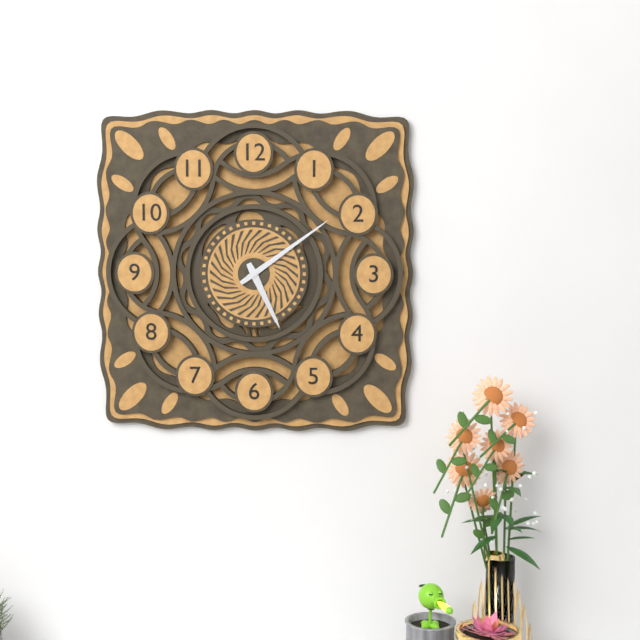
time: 5:09
